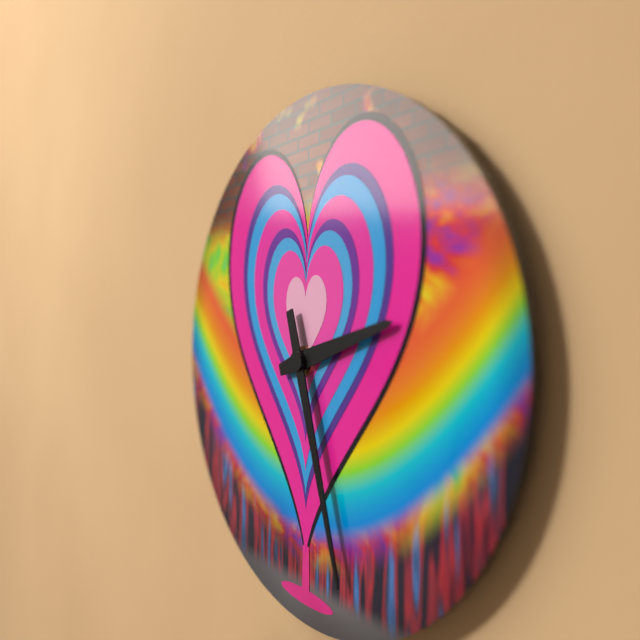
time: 2:27
